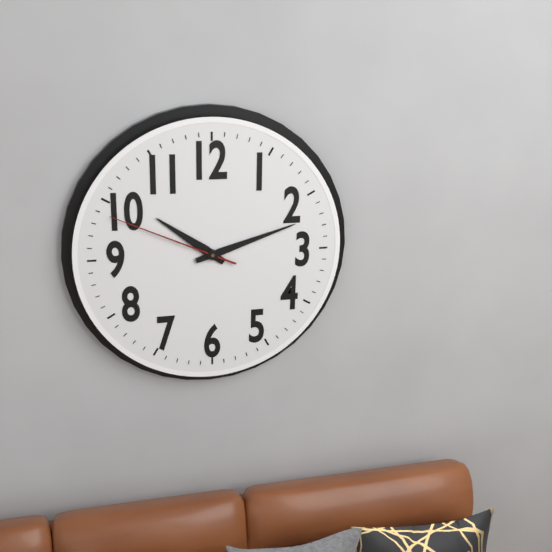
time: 10:12:49
